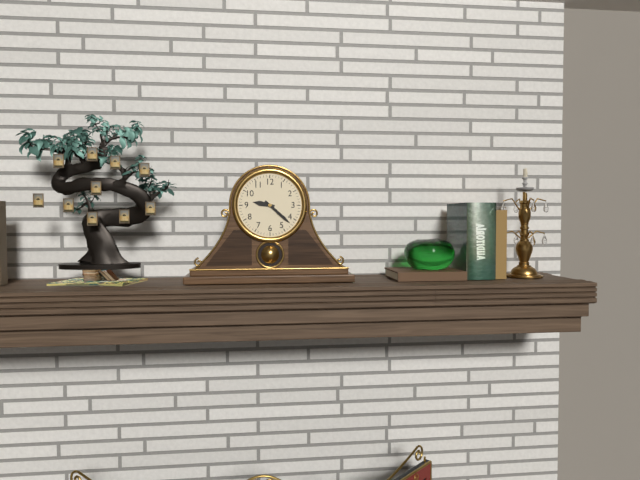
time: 9:22
